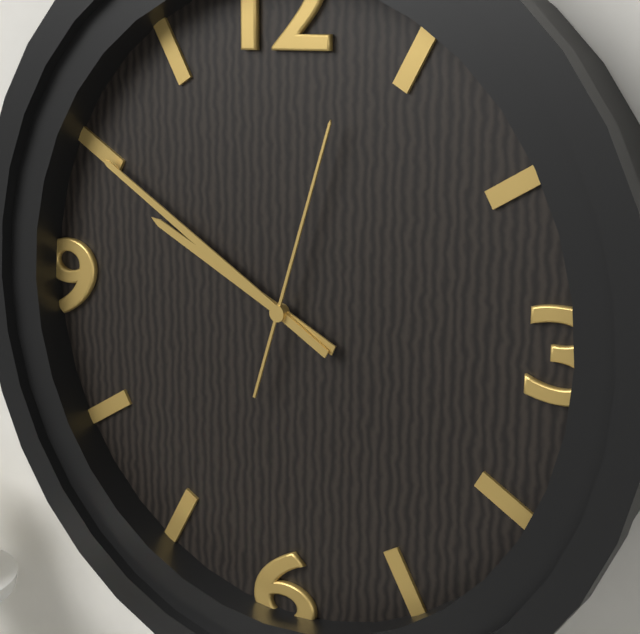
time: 9:50:03
